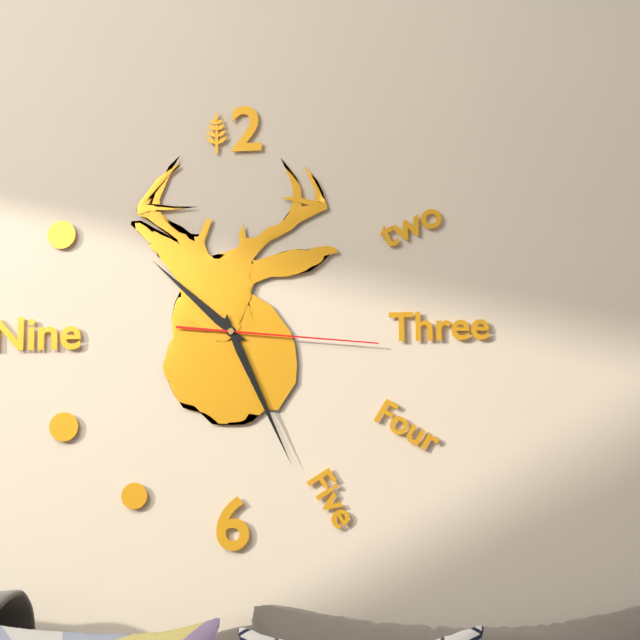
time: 10:26:16
